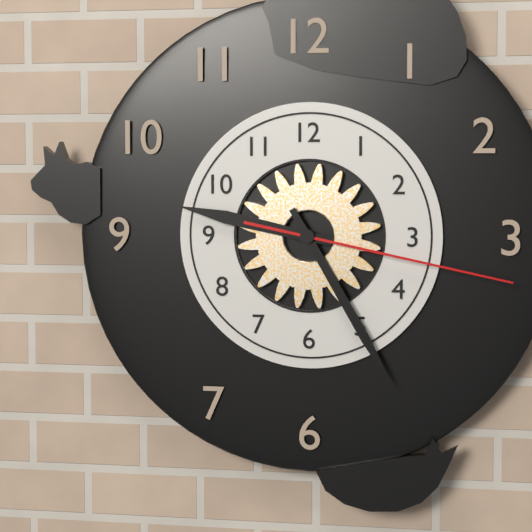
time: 9:25:17
